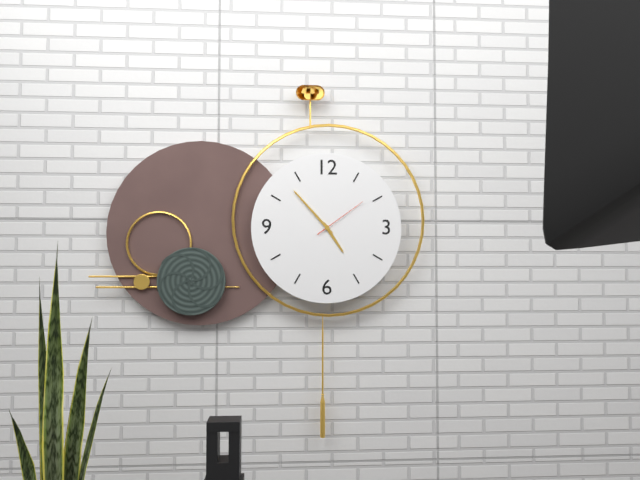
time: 4:53:09
